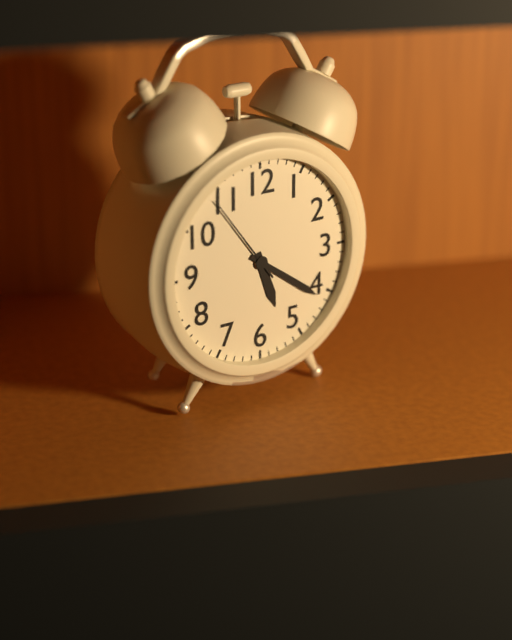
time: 5:21:54
